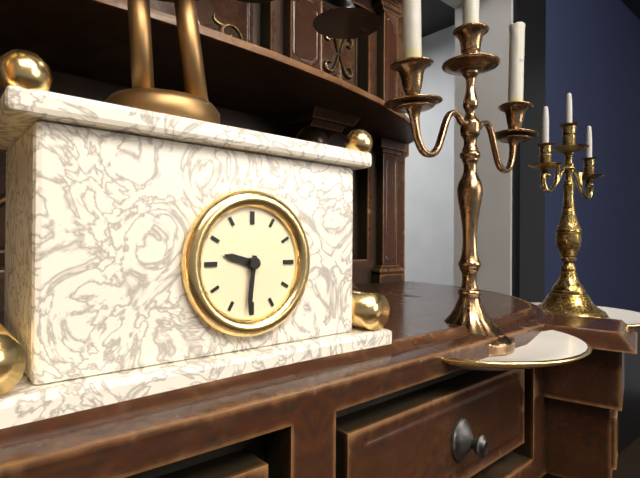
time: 9:31
